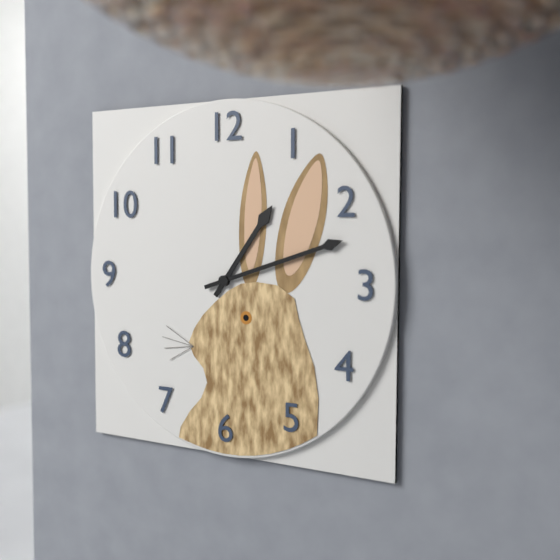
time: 1:12
